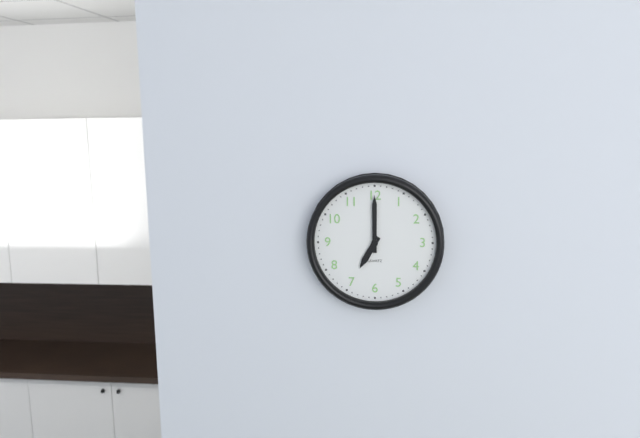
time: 7:00
